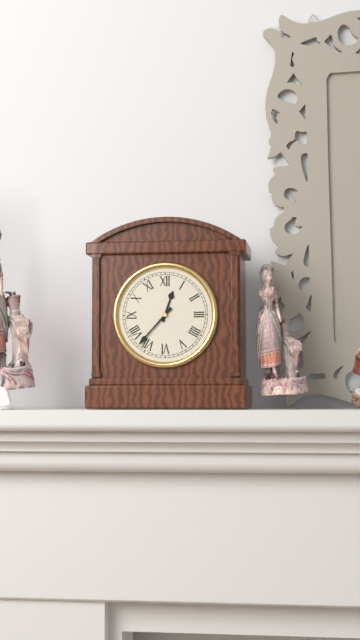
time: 12:37
